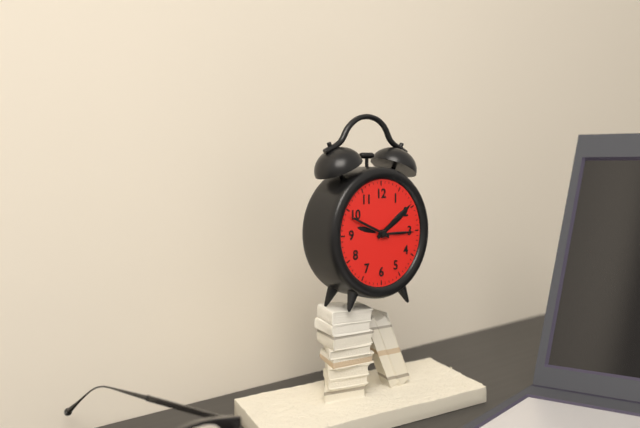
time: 1:49
